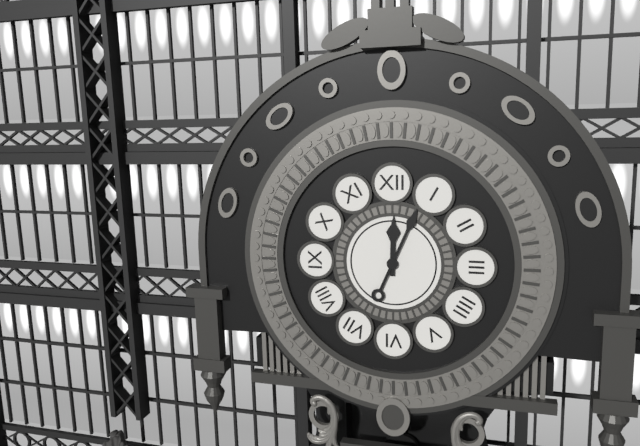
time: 12:04
